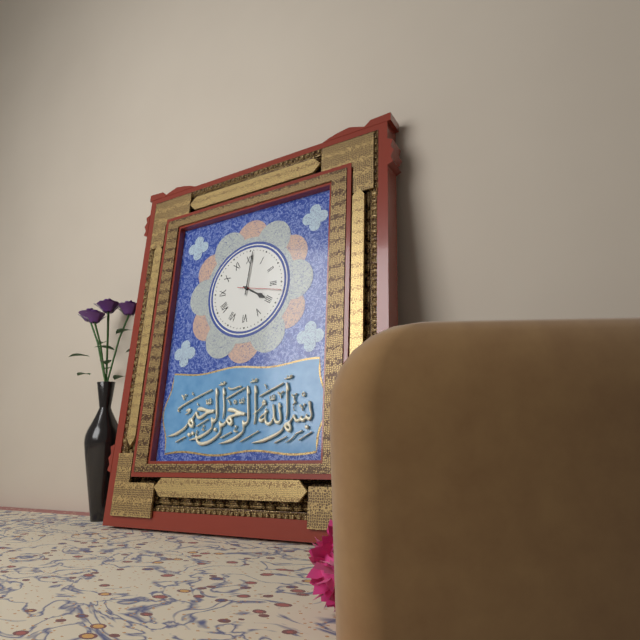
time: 4:01
